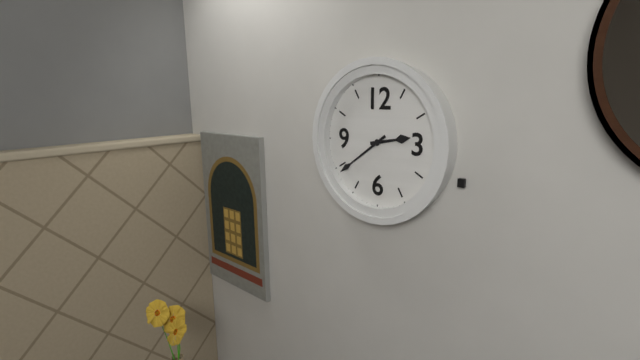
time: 2:39
